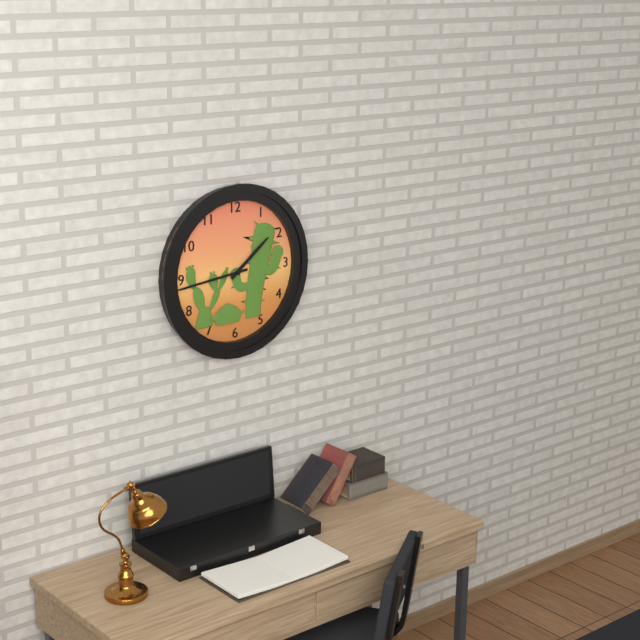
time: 1:44
